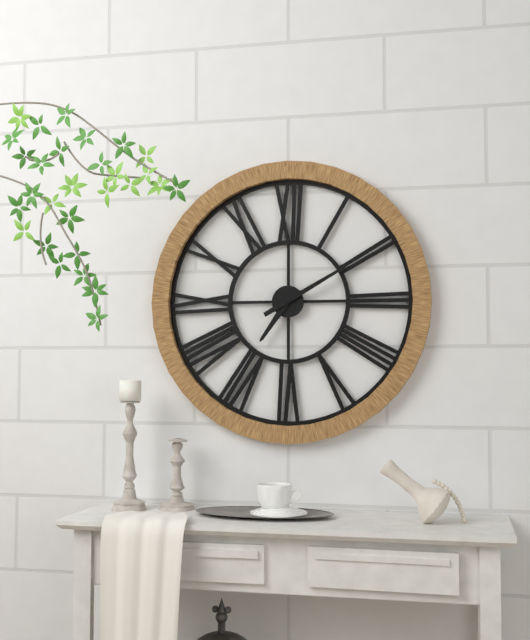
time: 7:10
